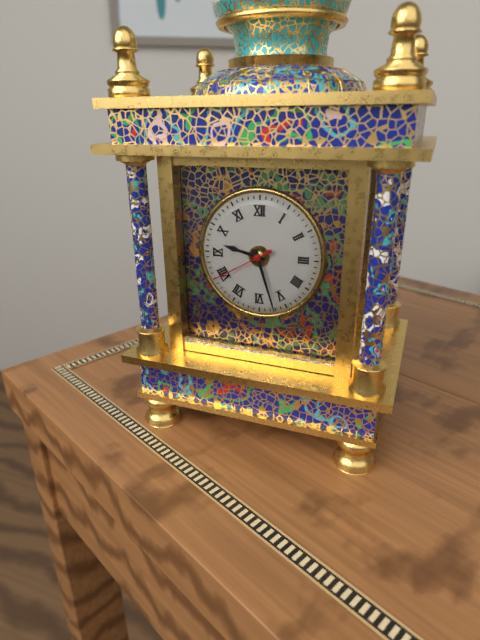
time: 9:27:40
